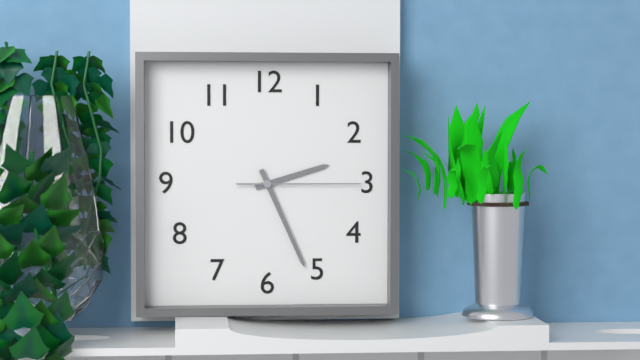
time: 2:26:15
